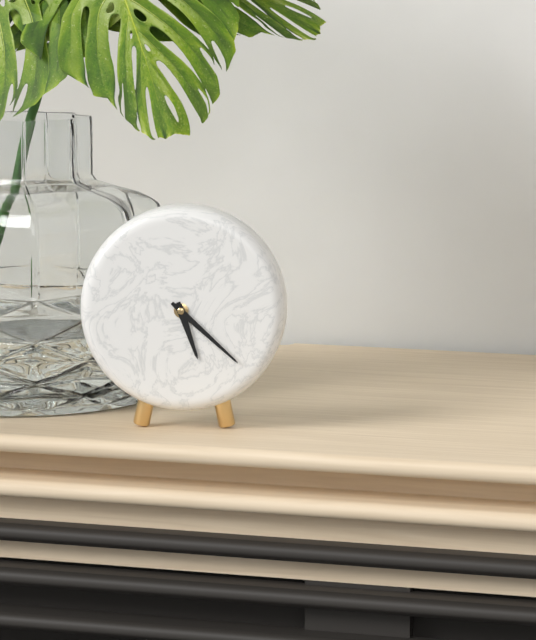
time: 5:22
